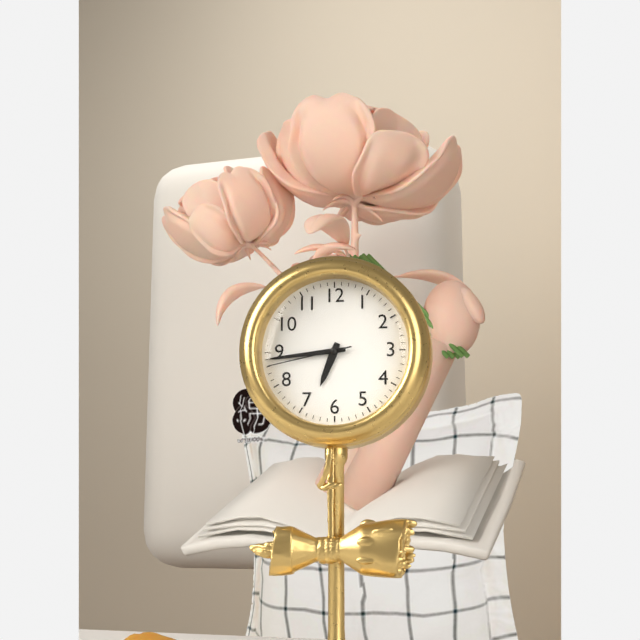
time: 6:44:43
